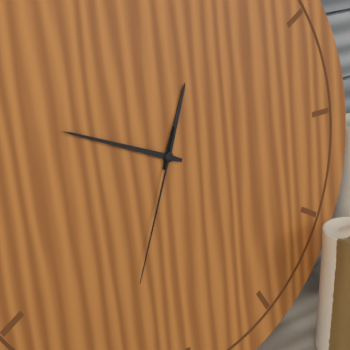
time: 12:49:34
